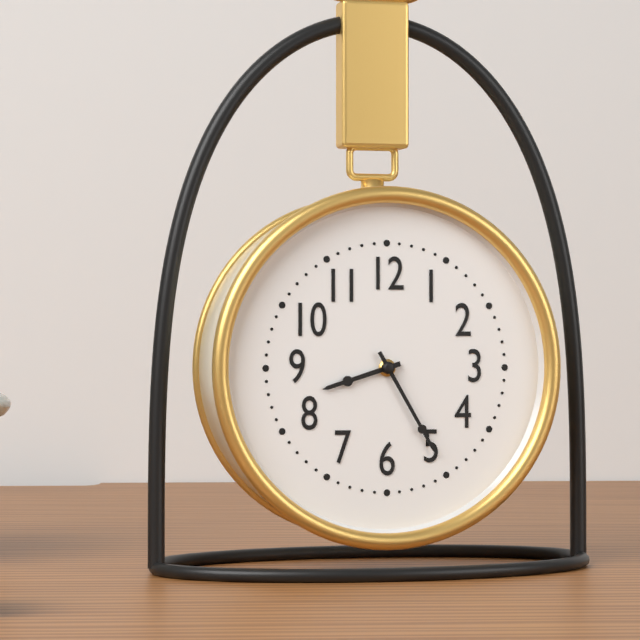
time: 8:25
